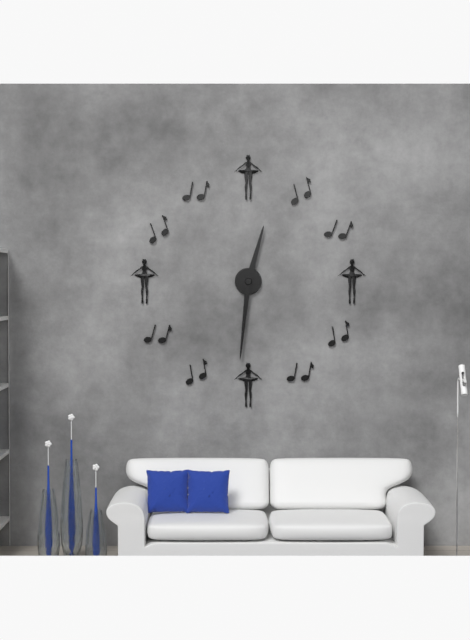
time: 12:31
